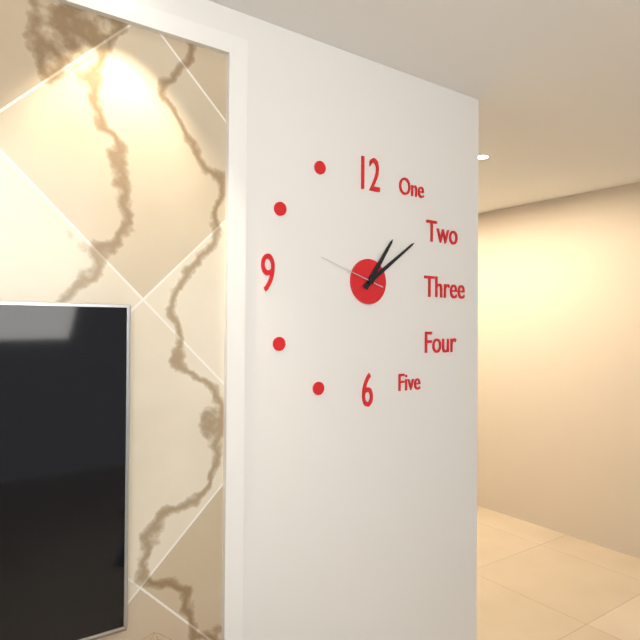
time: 1:09:48
